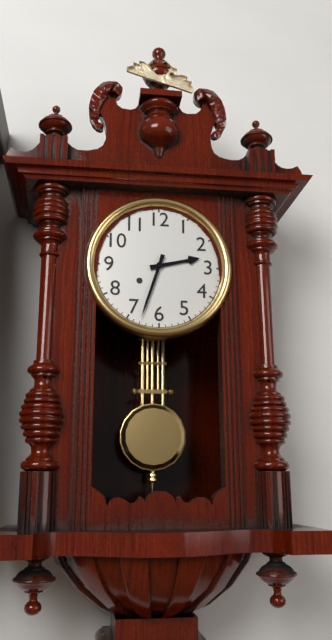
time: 2:33
